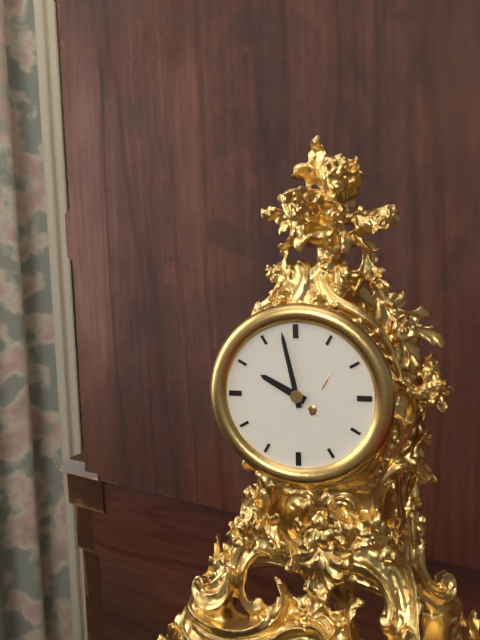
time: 9:58
